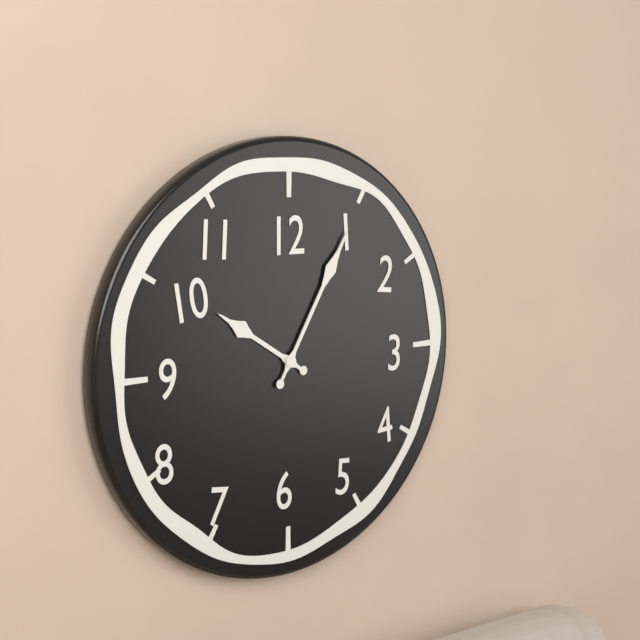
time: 10:05
